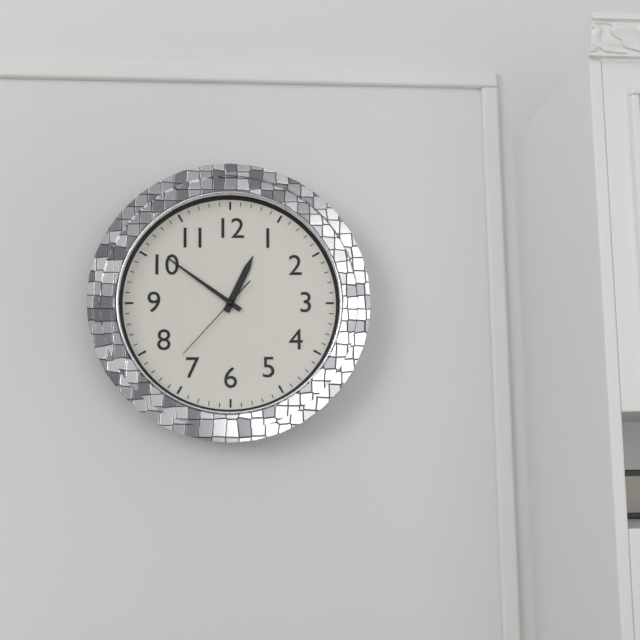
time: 12:51:37
